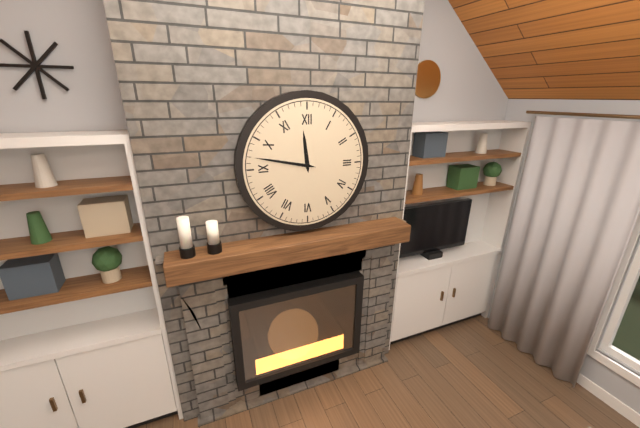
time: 11:47
